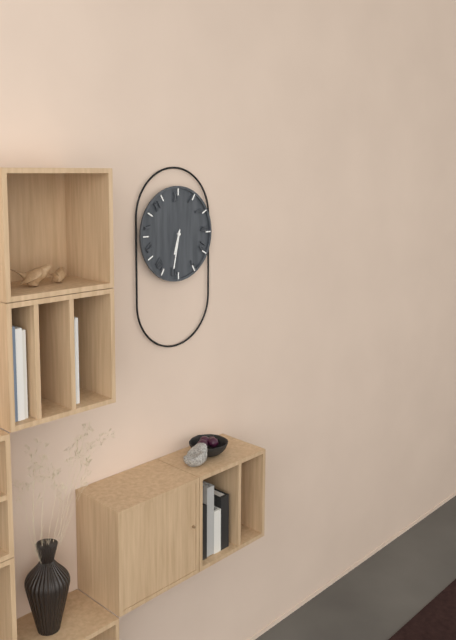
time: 6:32
